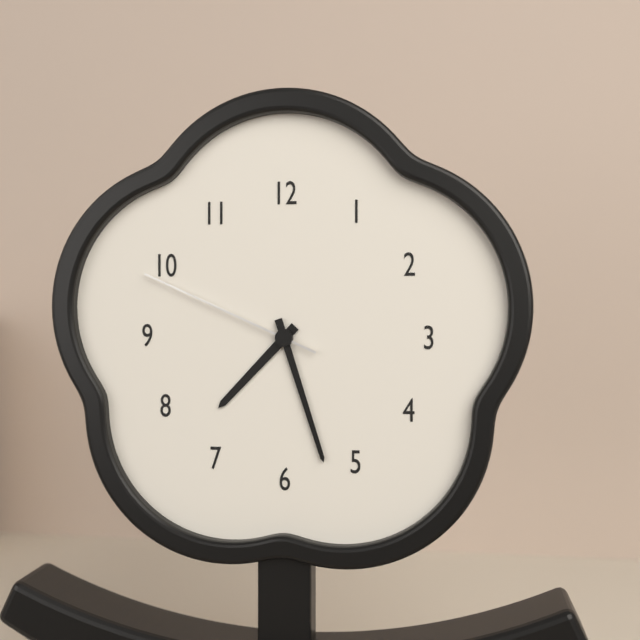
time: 7:27:49
